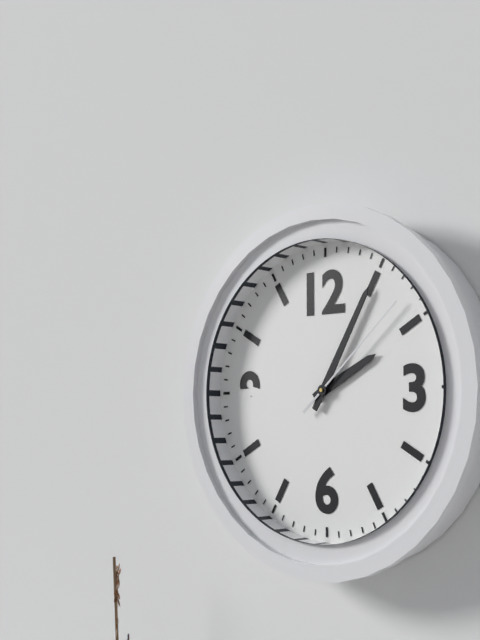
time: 2:05:08
